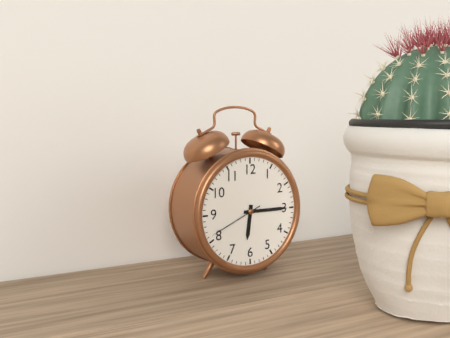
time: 6:15:41
